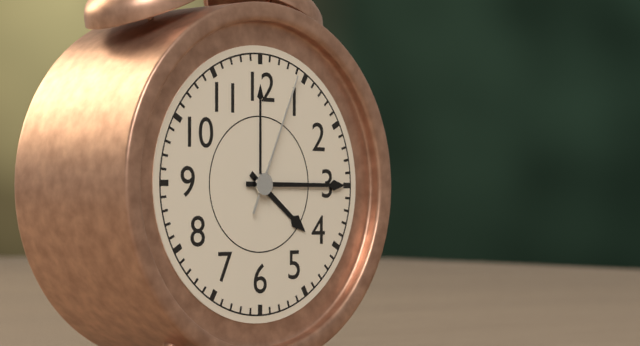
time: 4:15:04
